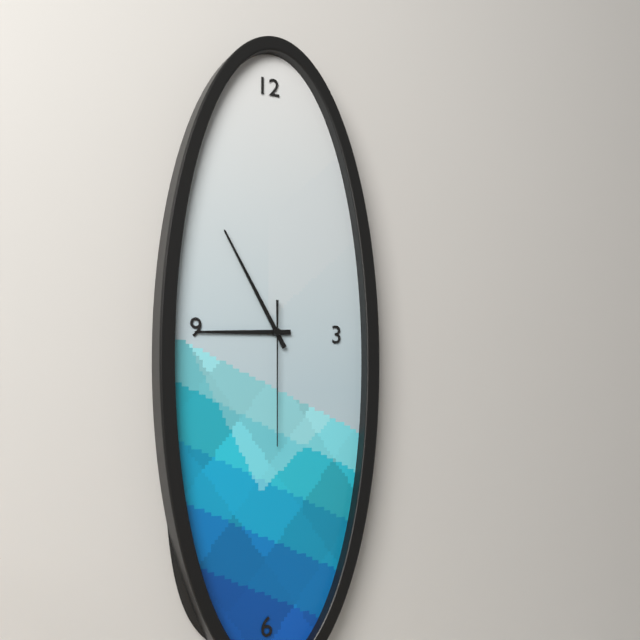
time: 8:55:30
